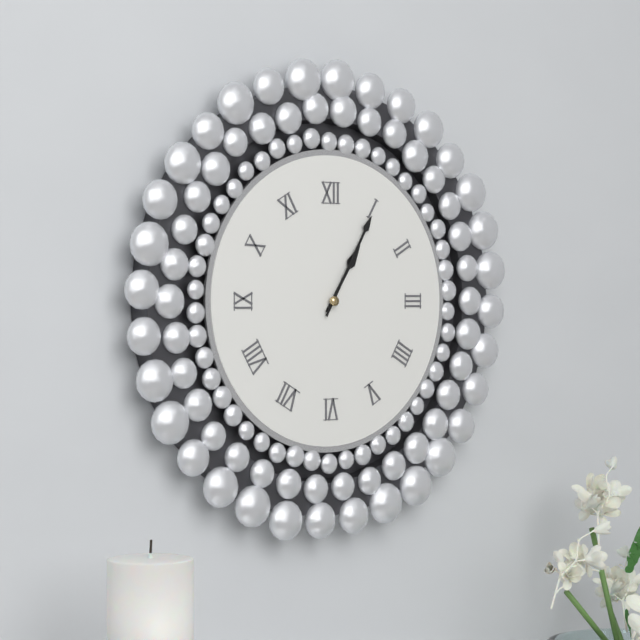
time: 1:05
